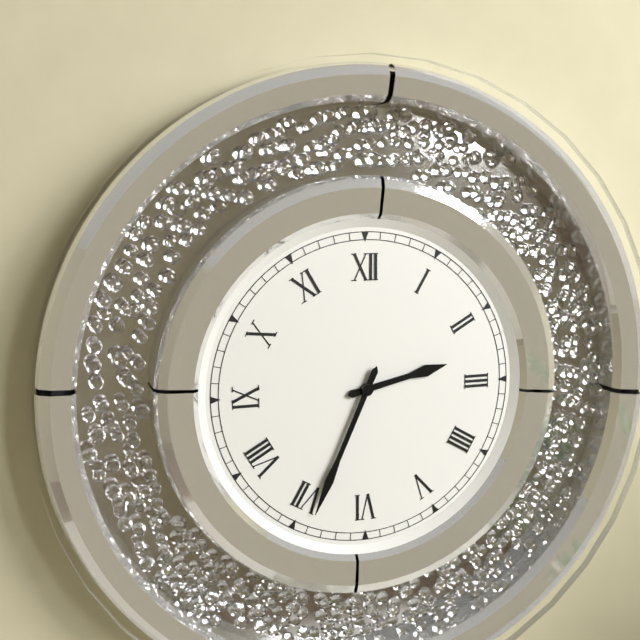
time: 2:34
